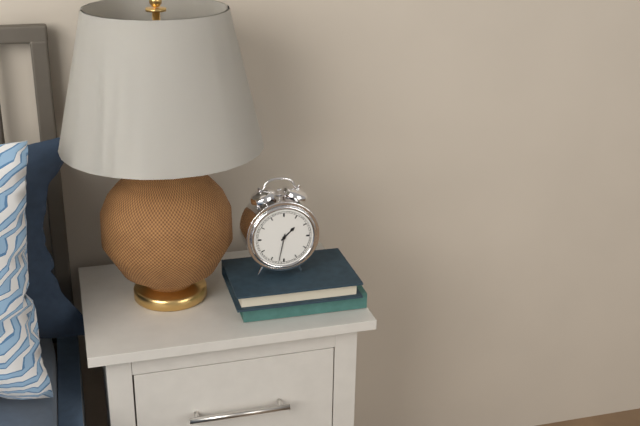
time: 1:32
